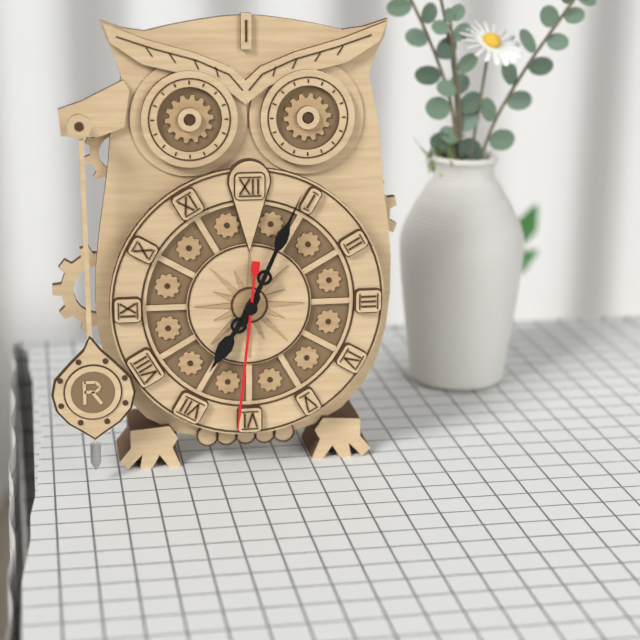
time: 7:04:31
